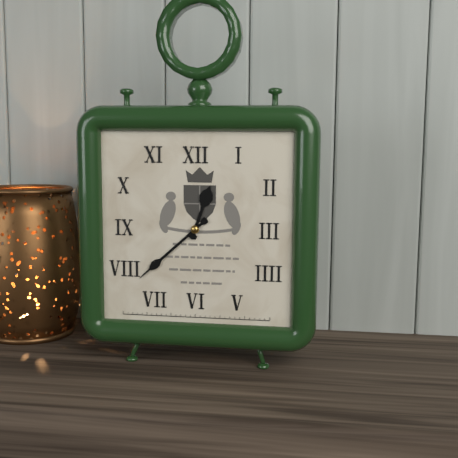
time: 12:38
